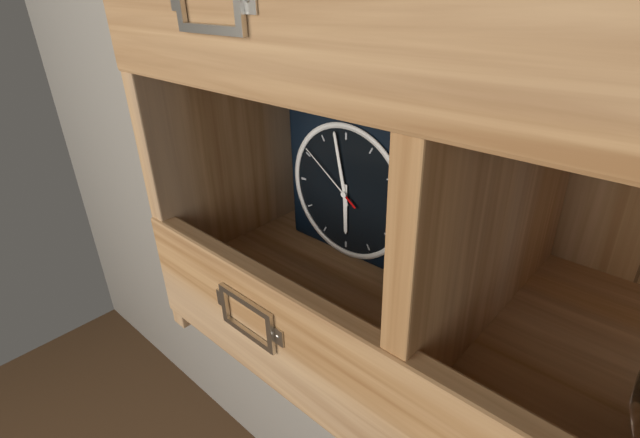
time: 5:58:51
